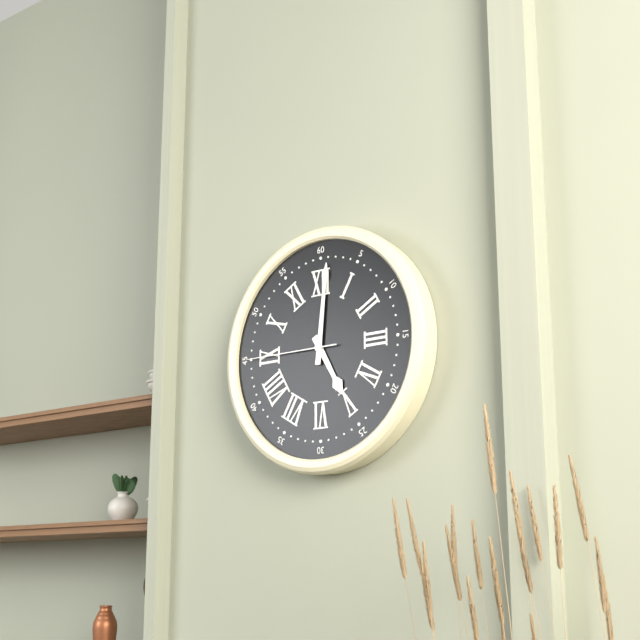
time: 5:01:45
